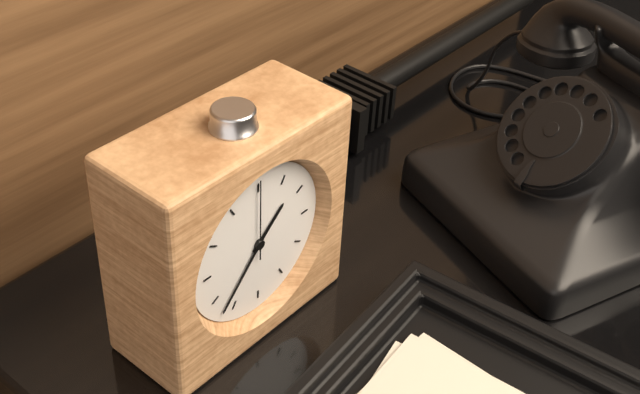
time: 1:37:00
